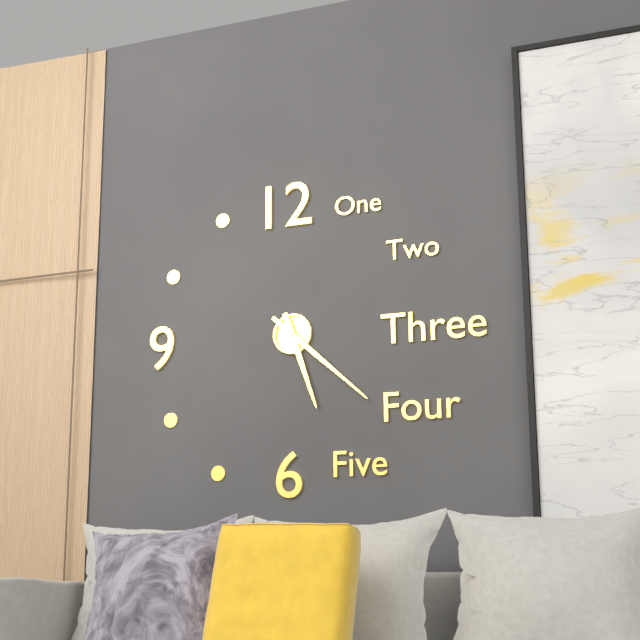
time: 5:22
